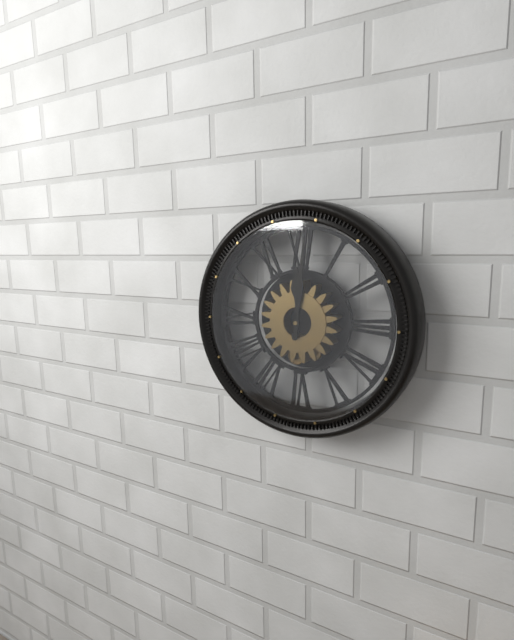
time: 12:01
